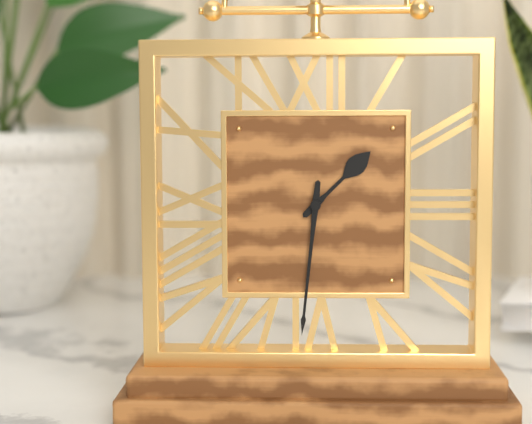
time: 1:31
